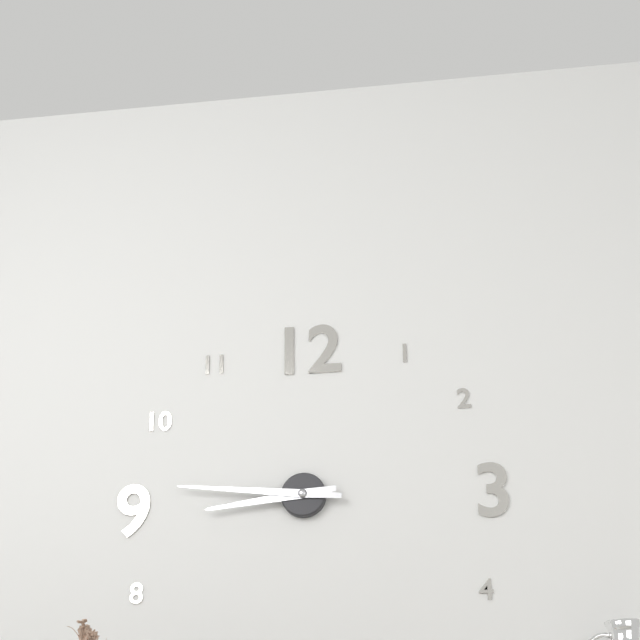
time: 8:46
